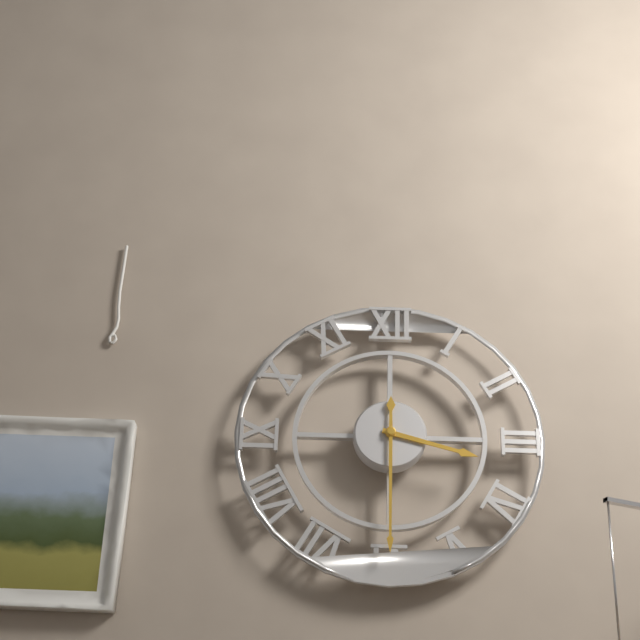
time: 3:30
